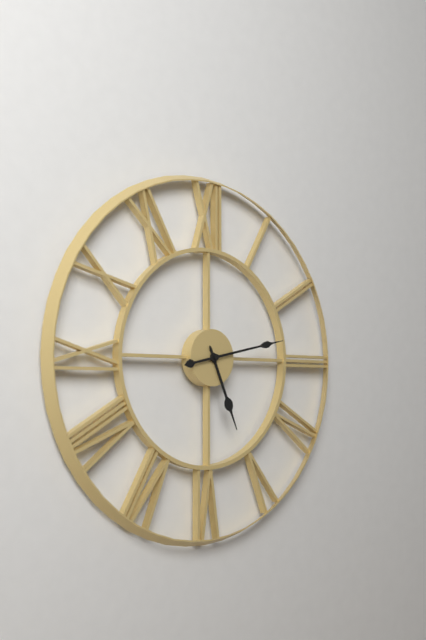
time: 5:13
